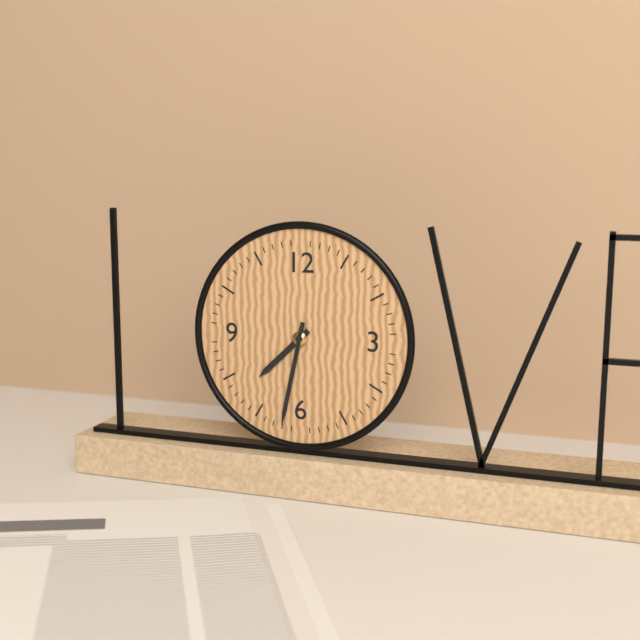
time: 7:32
